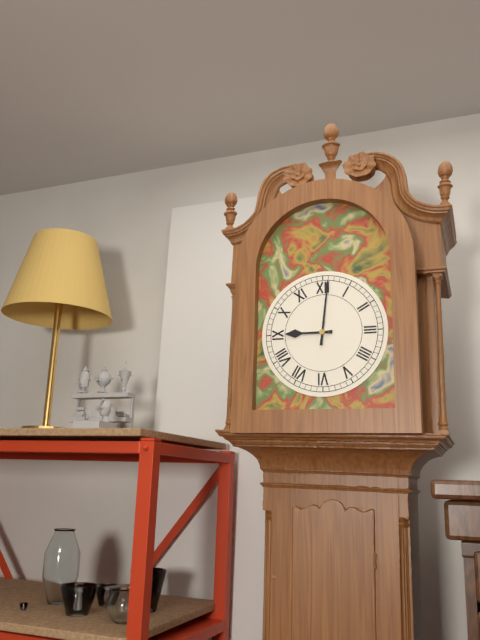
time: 9:01
